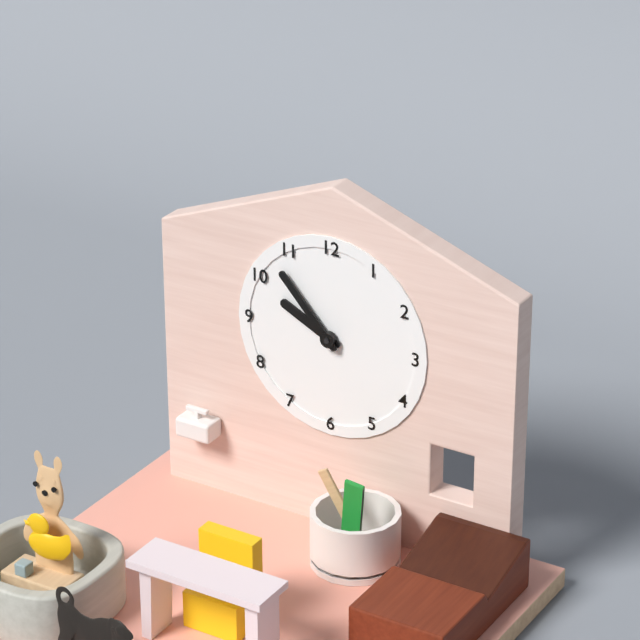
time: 9:53
